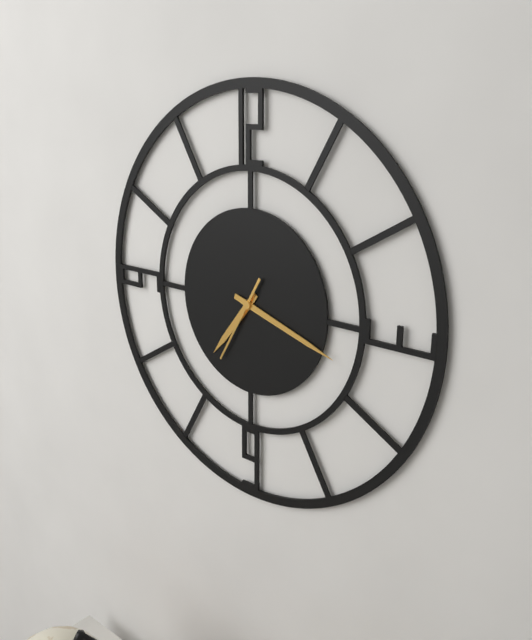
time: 7:18:35
